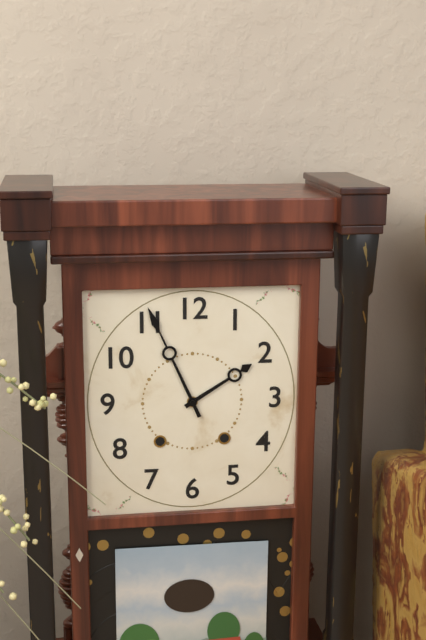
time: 1:56
